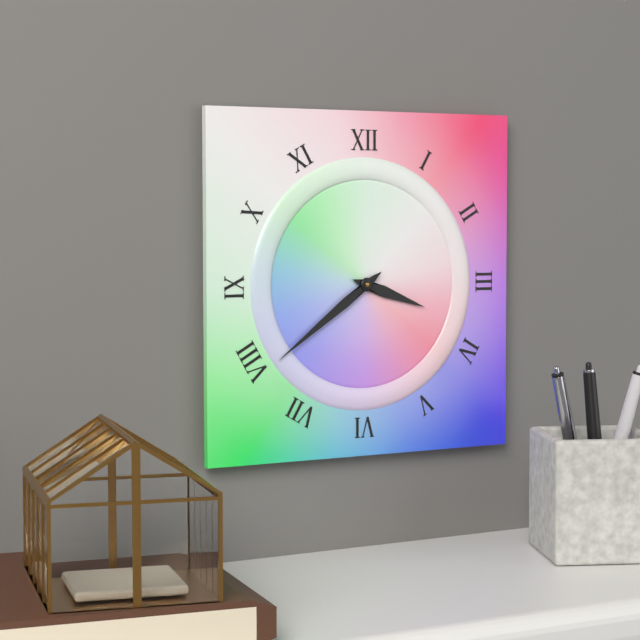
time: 3:39
